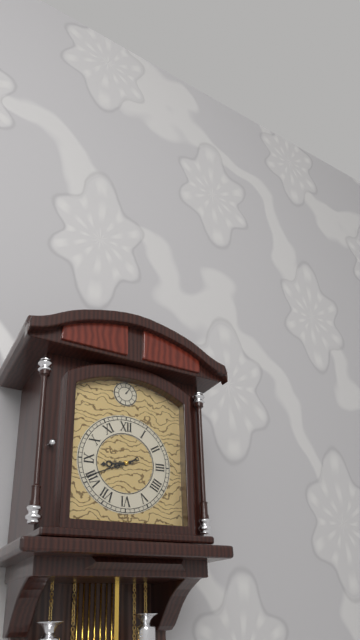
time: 8:41
